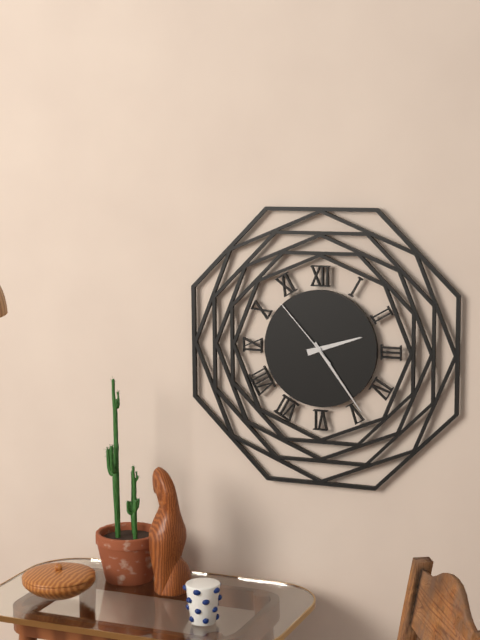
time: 2:24:53
